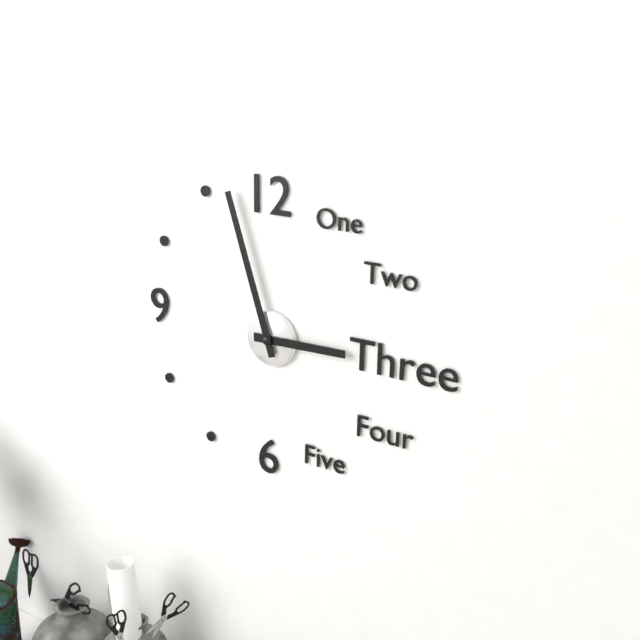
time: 2:57
